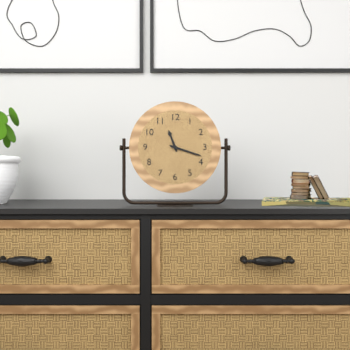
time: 11:18
